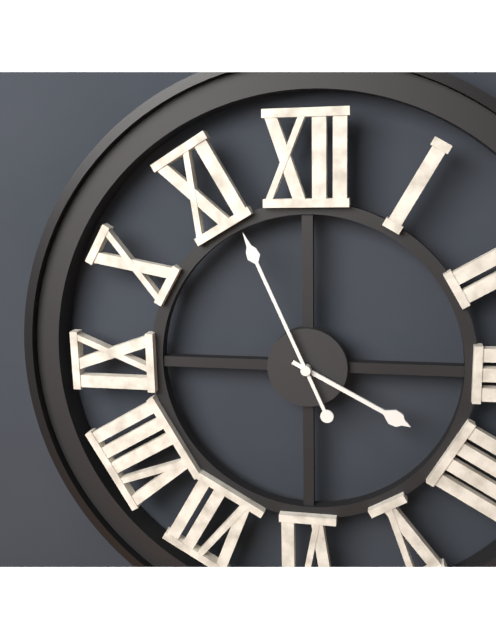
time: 3:56
